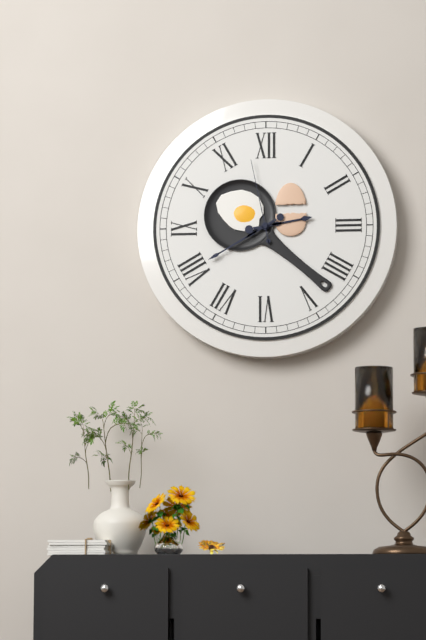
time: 2:40:58
